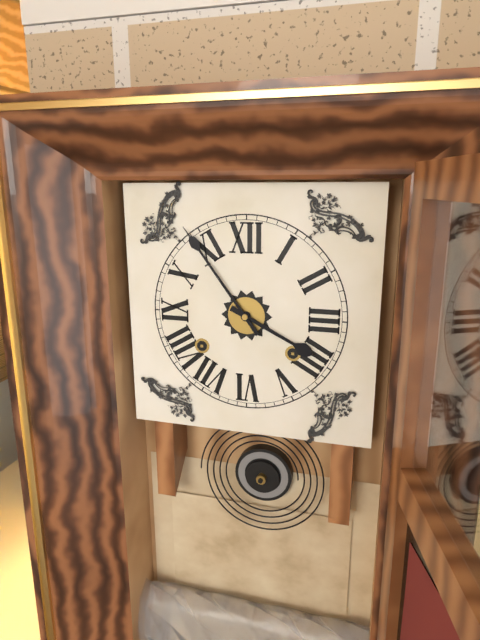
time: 3:54
